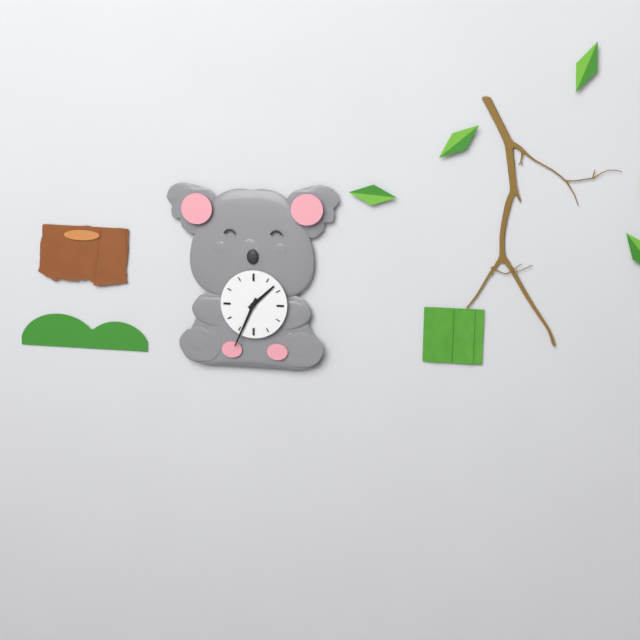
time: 1:34
